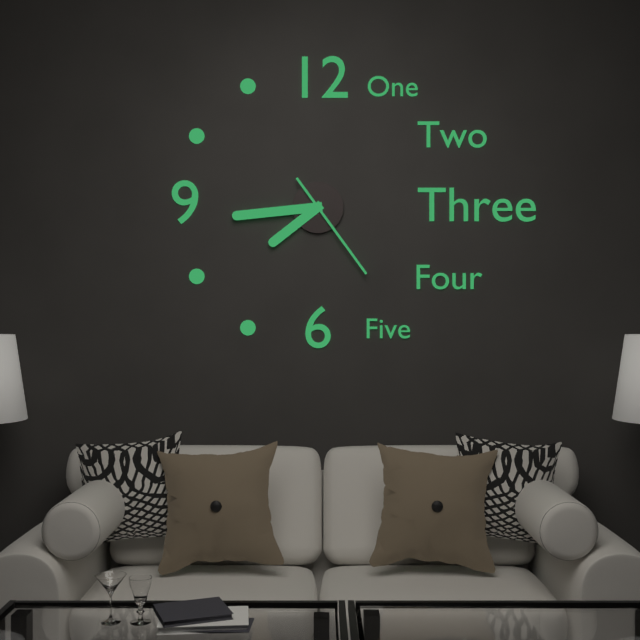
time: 7:44:24
